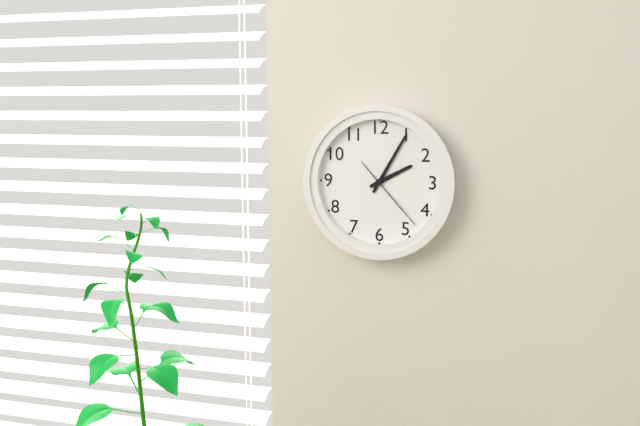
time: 2:05:23
